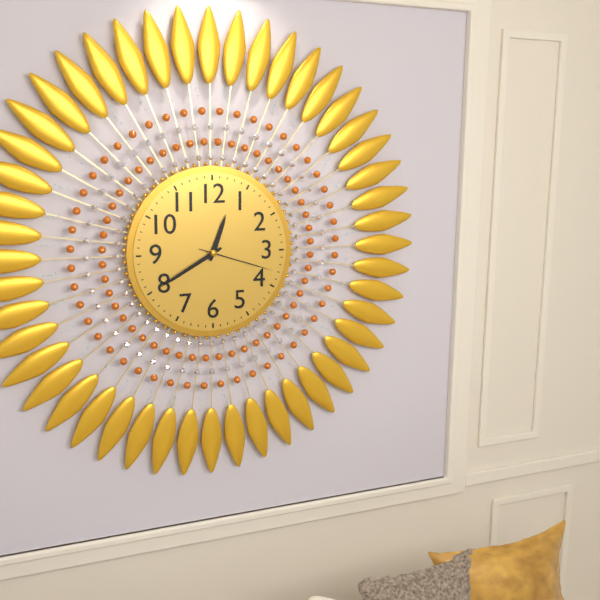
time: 12:40:18
